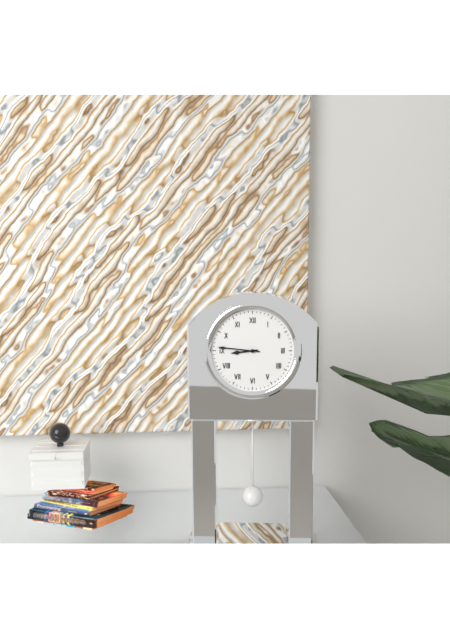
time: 8:46
